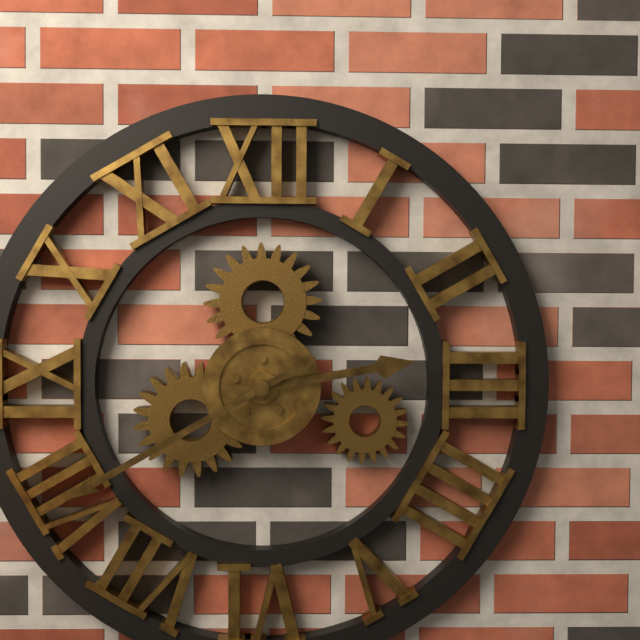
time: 2:40
